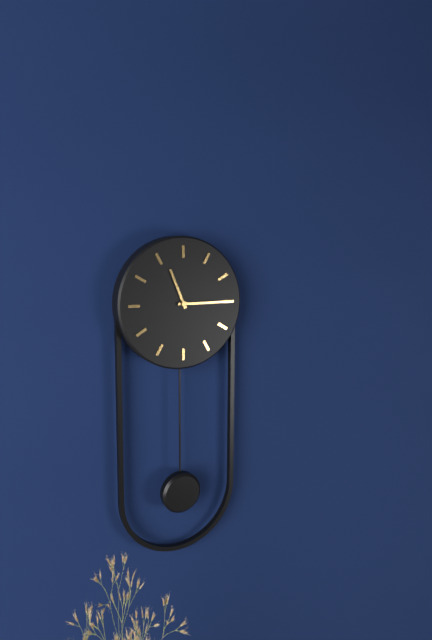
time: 11:15
